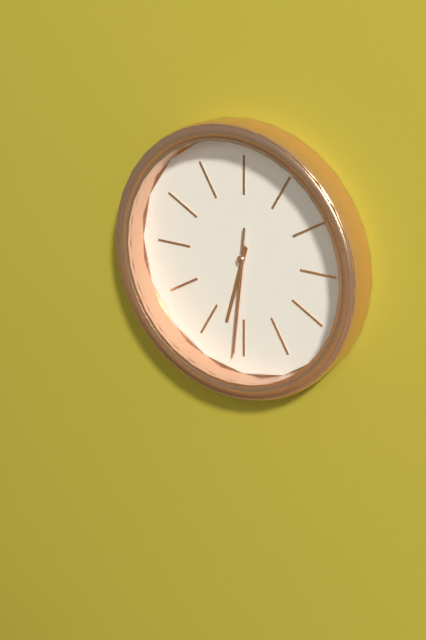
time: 6:31:31
